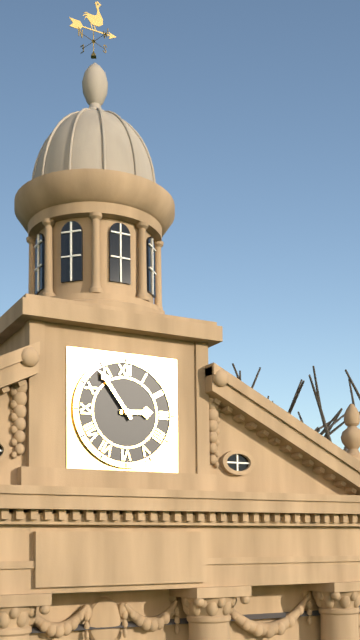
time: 2:54
